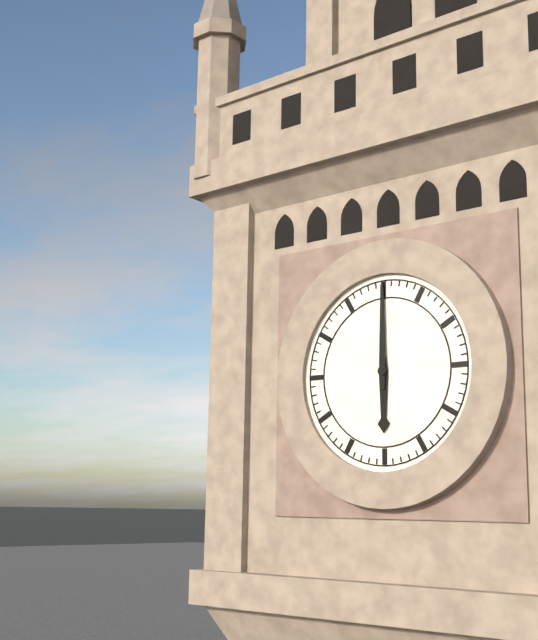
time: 6:00
